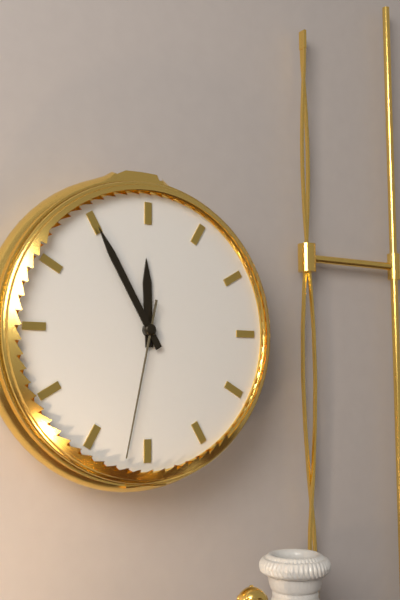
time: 11:55:32
